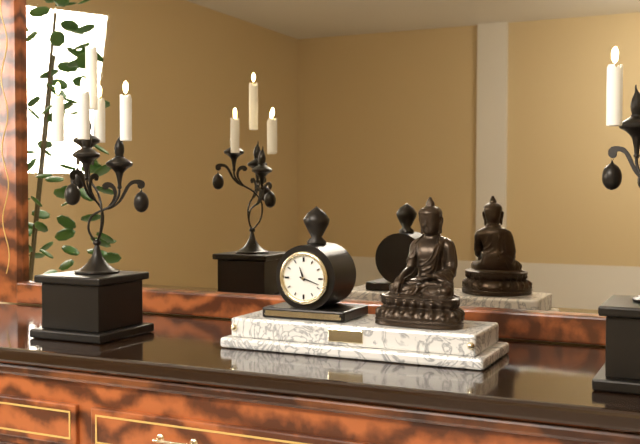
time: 11:18
